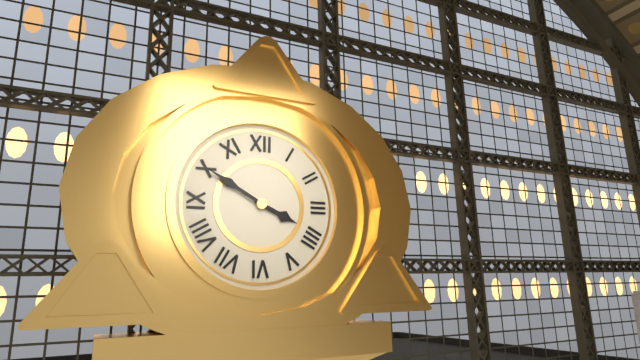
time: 3:50
